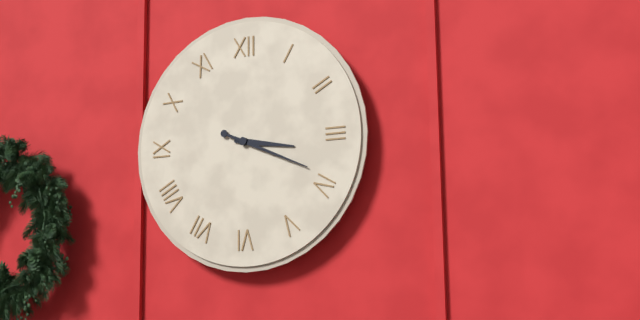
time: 3:19
